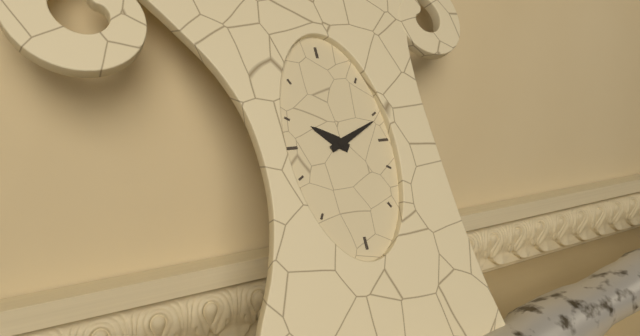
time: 10:11
